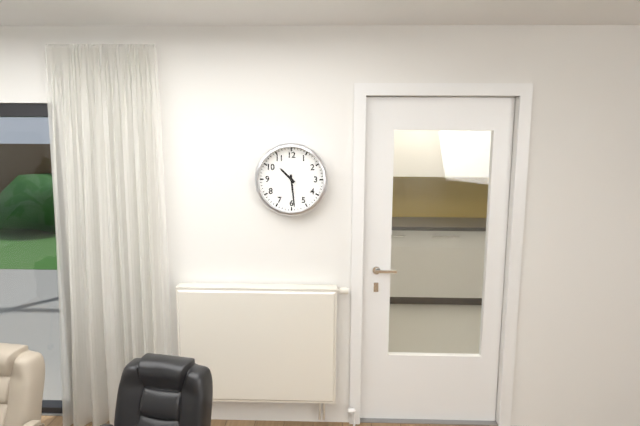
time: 10:29
